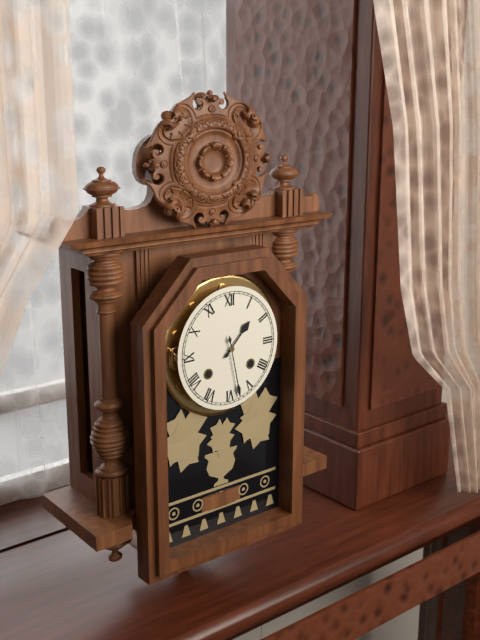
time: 1:28
